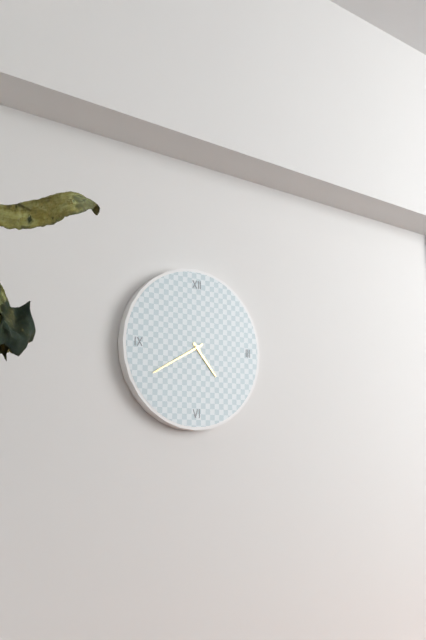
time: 4:40
